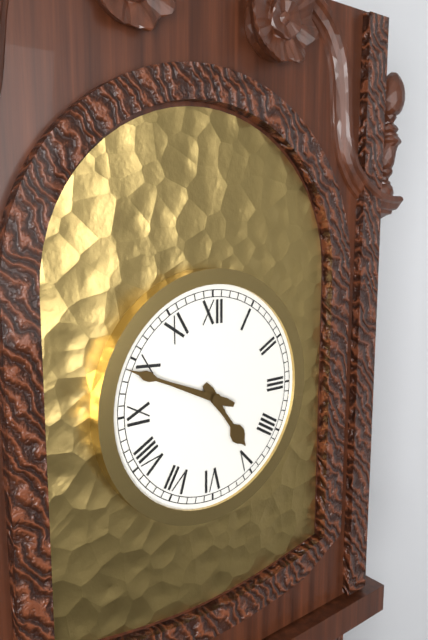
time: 4:49
